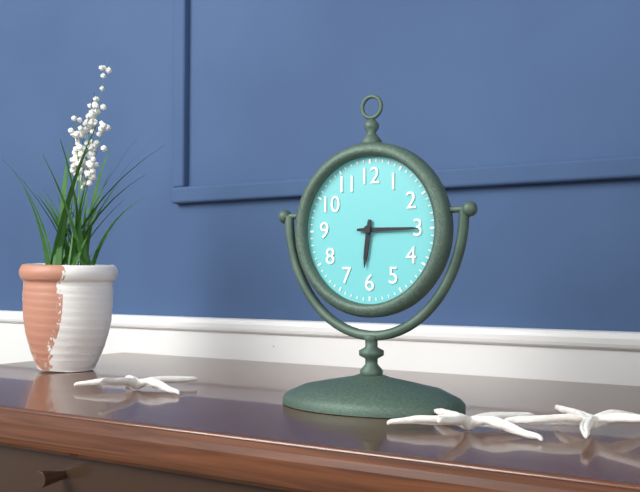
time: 6:15
